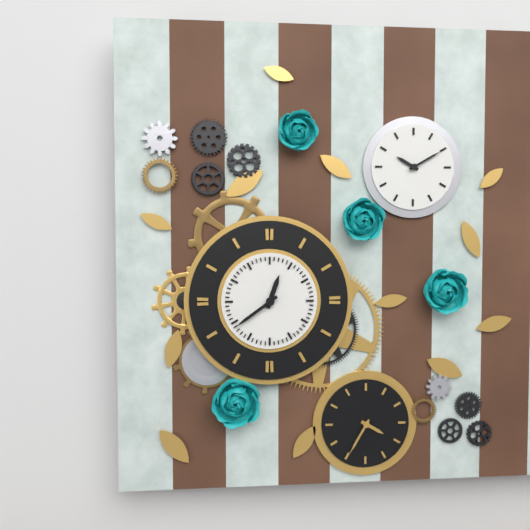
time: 12:39
